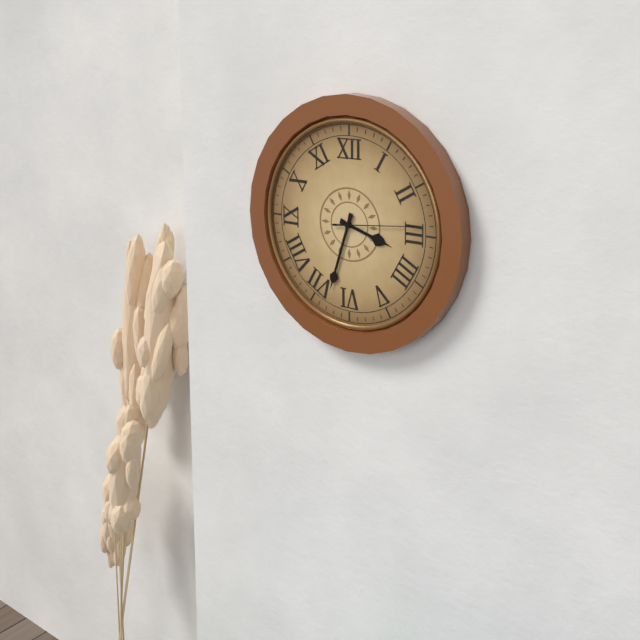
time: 3:33:14
